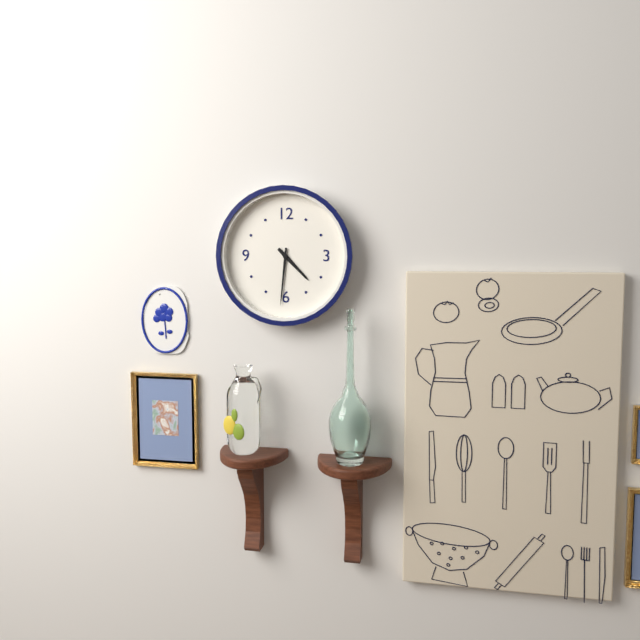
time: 4:31
